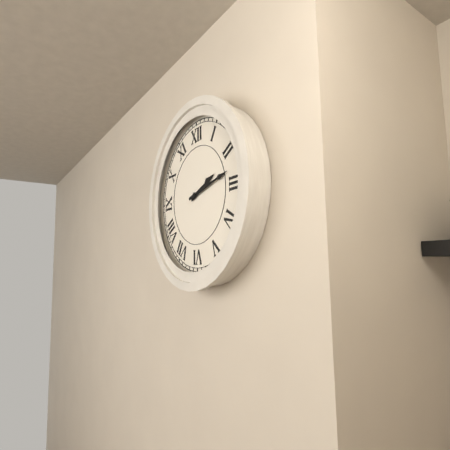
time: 2:13
